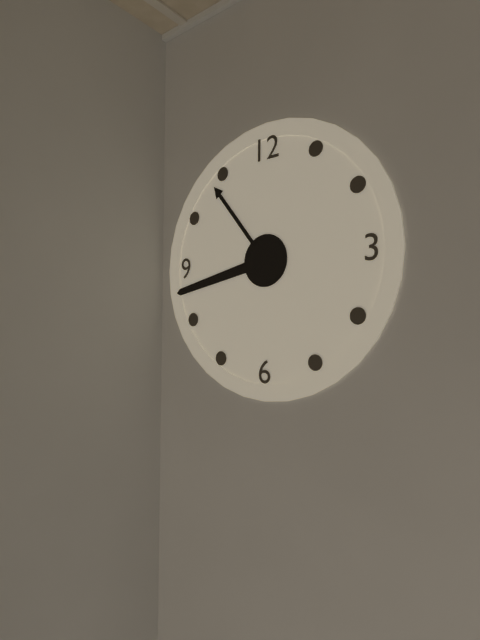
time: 10:43
